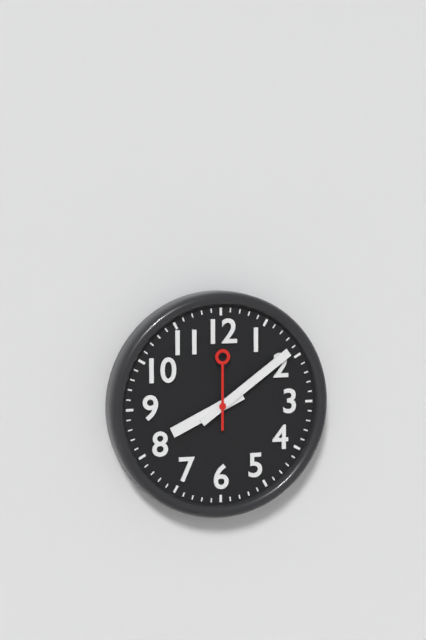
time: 8:09:00
